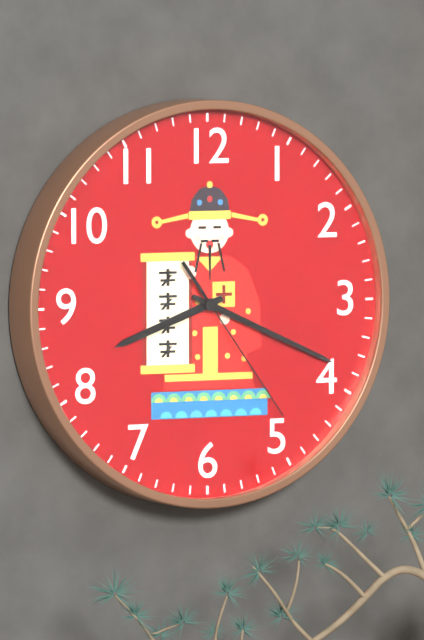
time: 8:19:24
